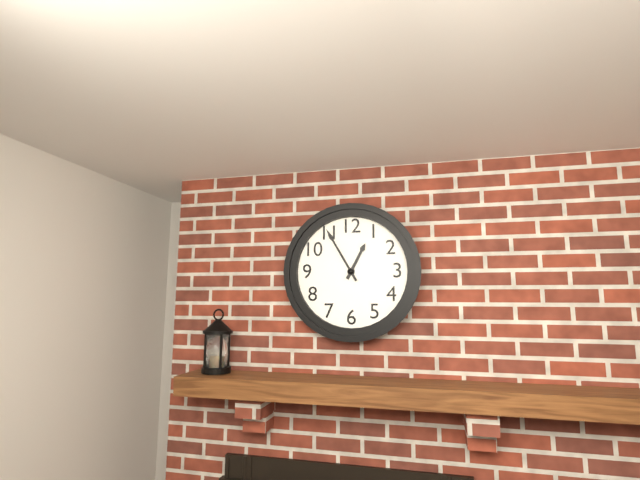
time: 12:55
